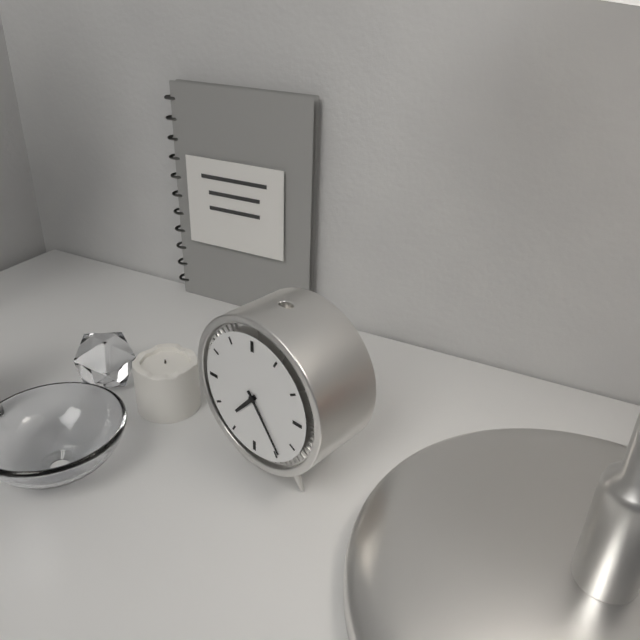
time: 7:24
